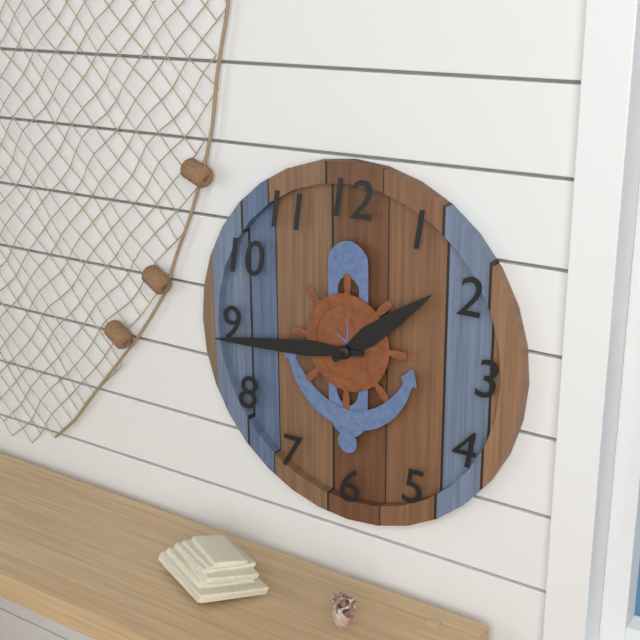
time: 1:44
